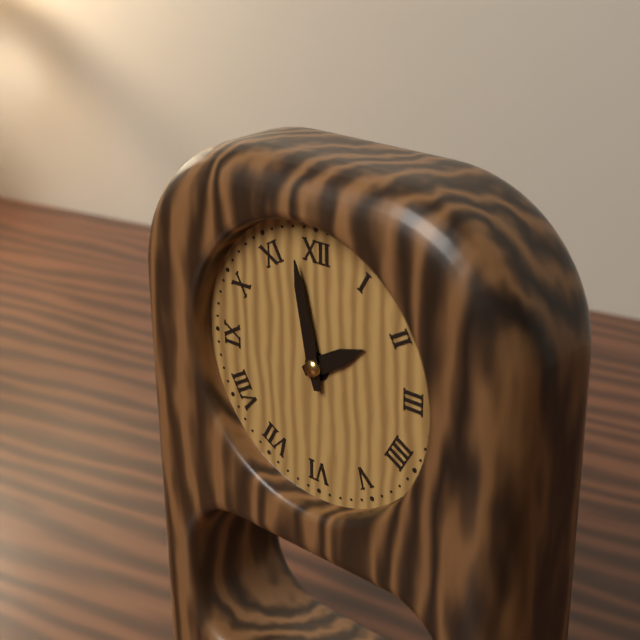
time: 1:58
